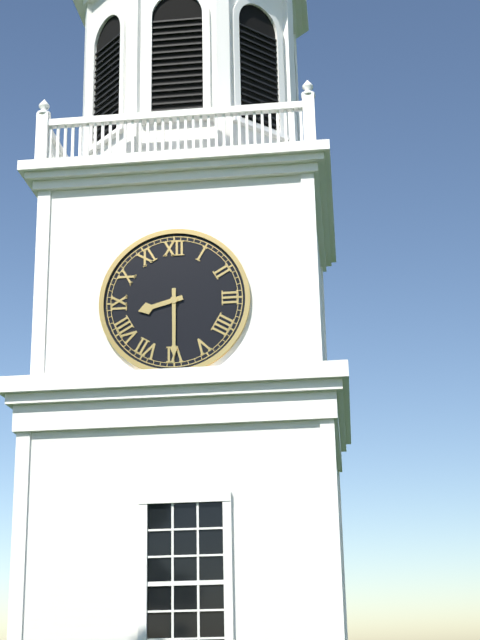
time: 8:30
